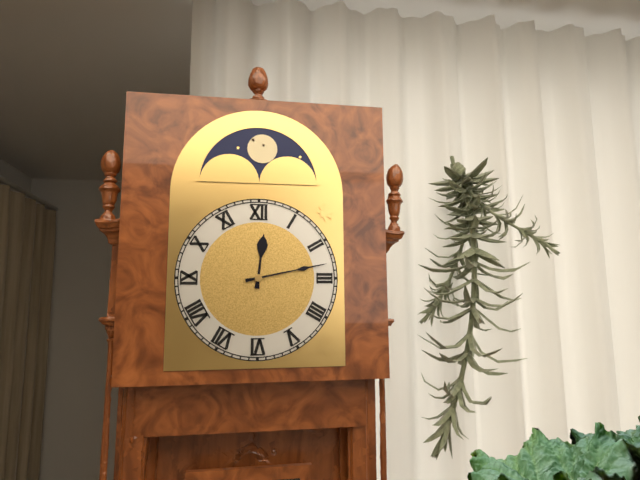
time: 12:13
